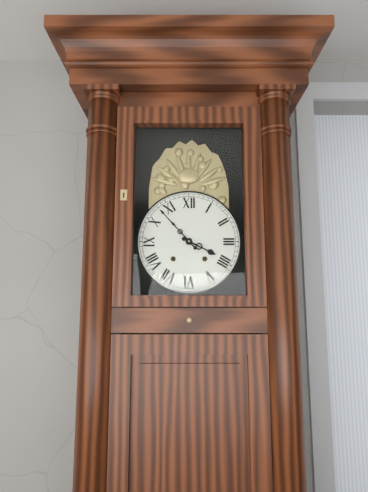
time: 3:53
